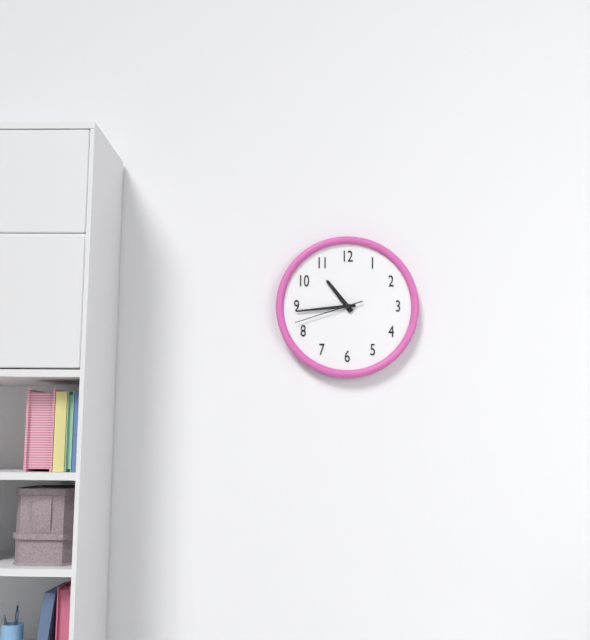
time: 10:44:42
